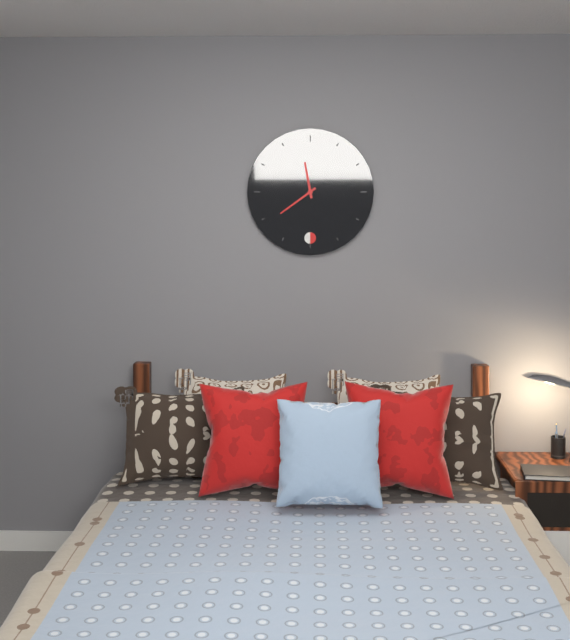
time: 11:39
